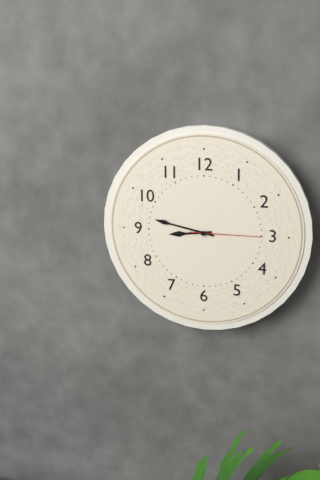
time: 8:47:15
